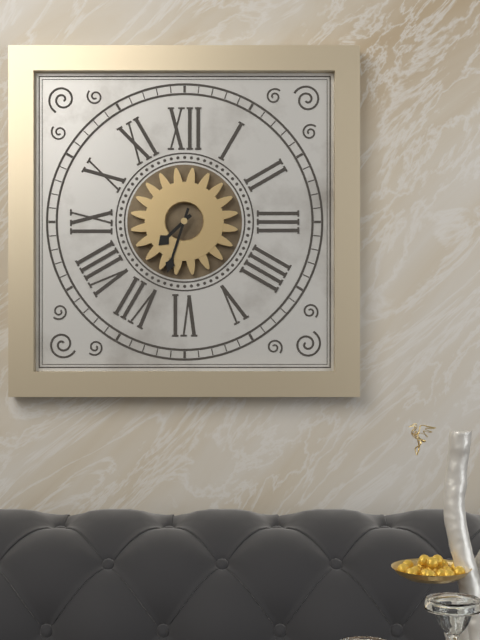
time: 7:33
